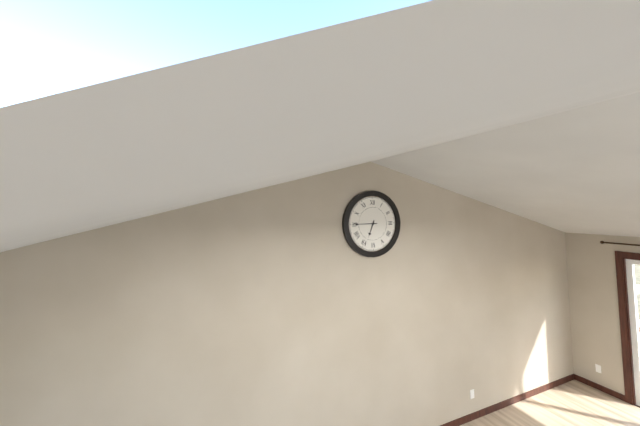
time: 6:45
